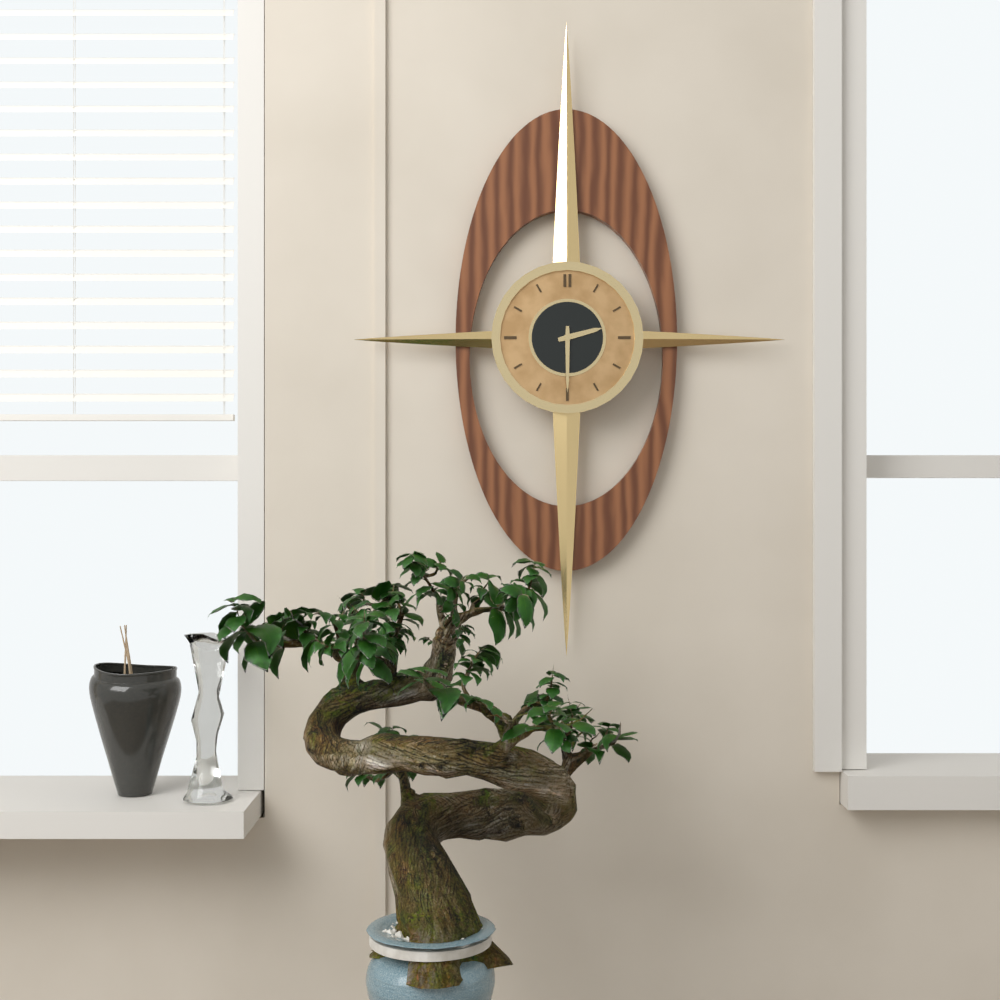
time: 2:30
